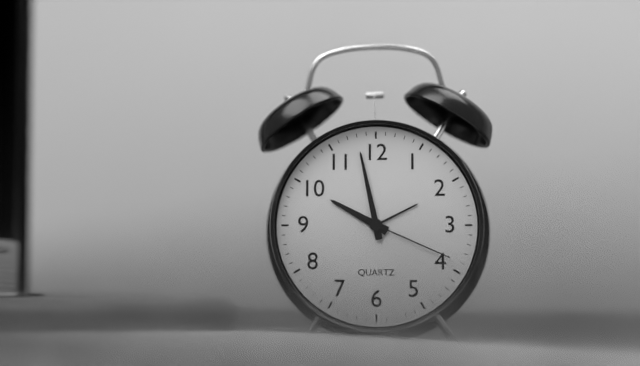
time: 9:58:19
